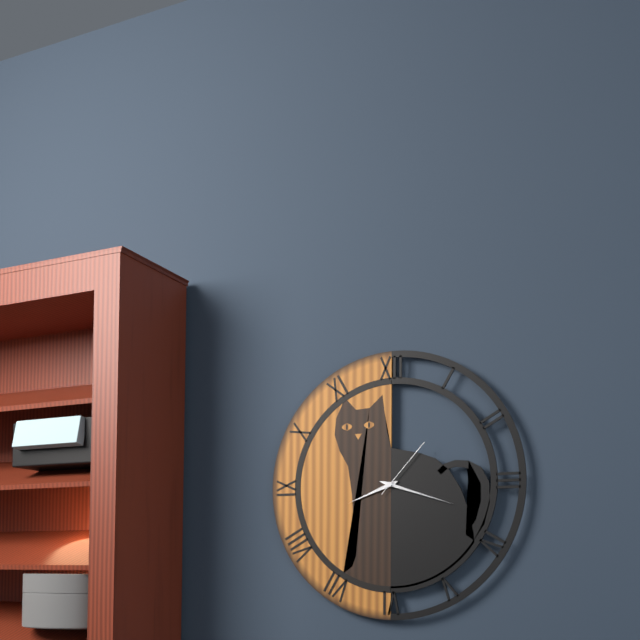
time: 8:18:07
